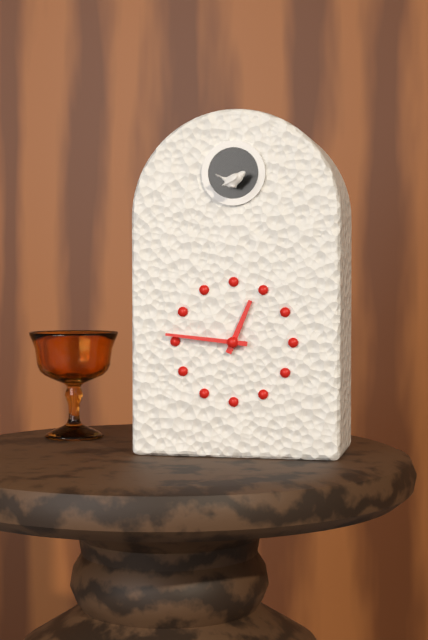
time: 12:46
